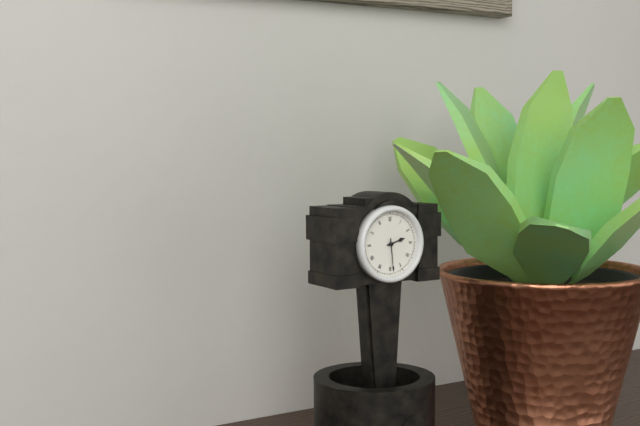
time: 2:29
